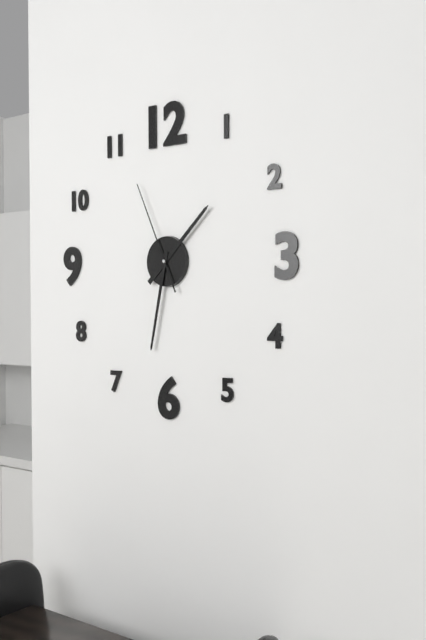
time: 1:32:56
